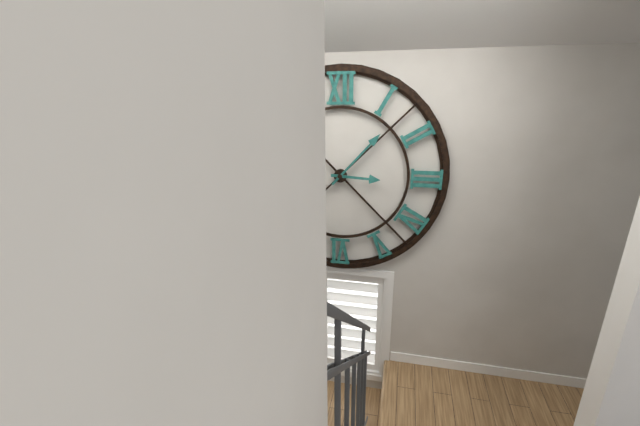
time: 3:07
